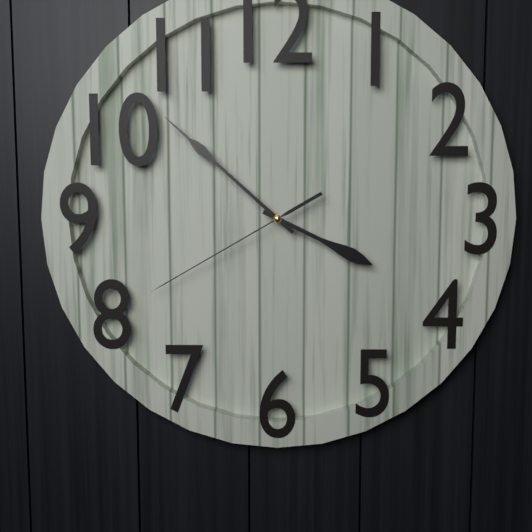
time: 3:52:40
